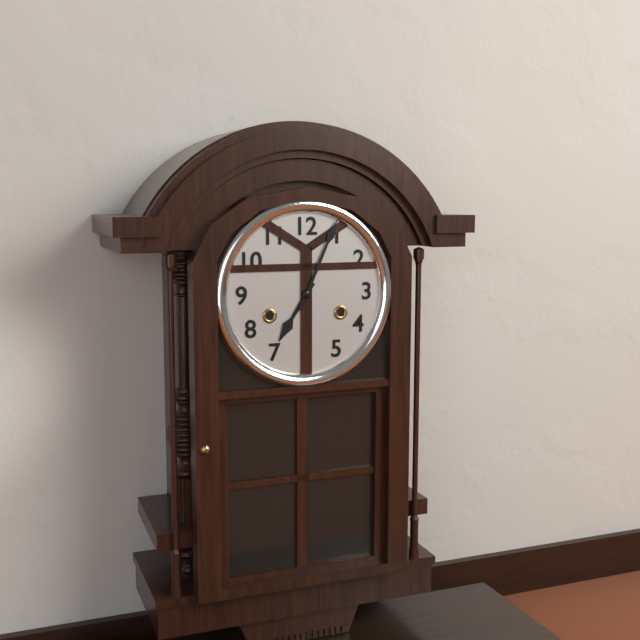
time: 7:04
